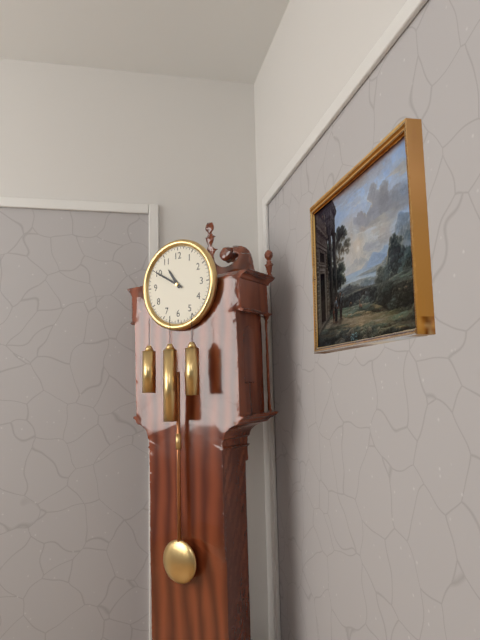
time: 10:50
